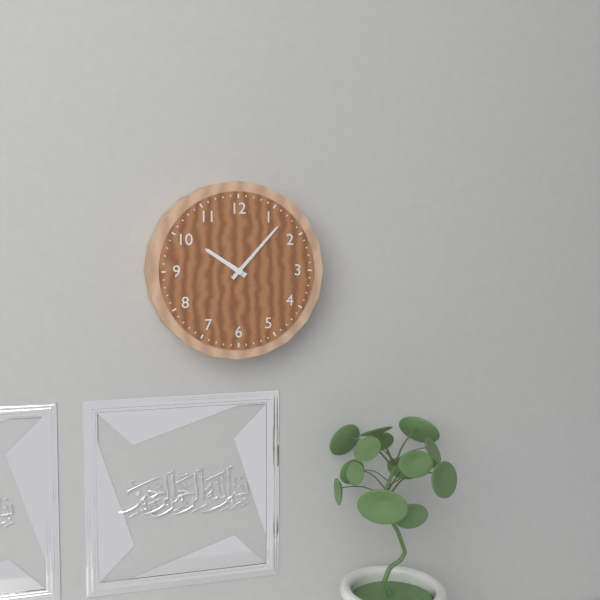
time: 10:07
